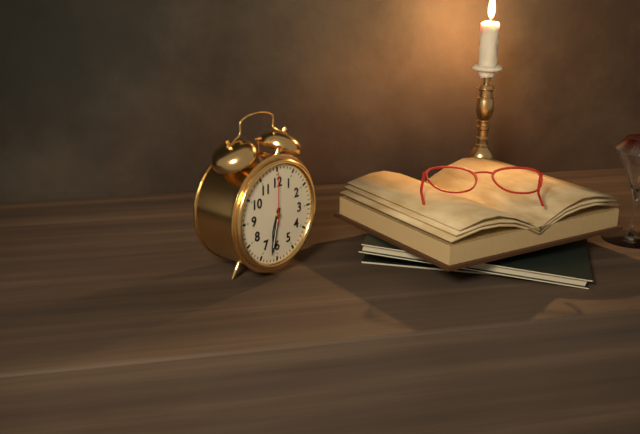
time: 6:32:00
